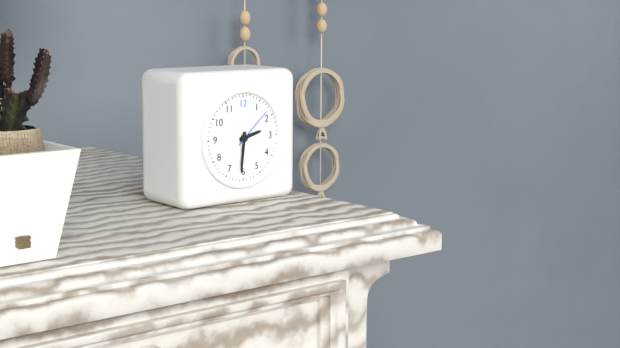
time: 2:31
